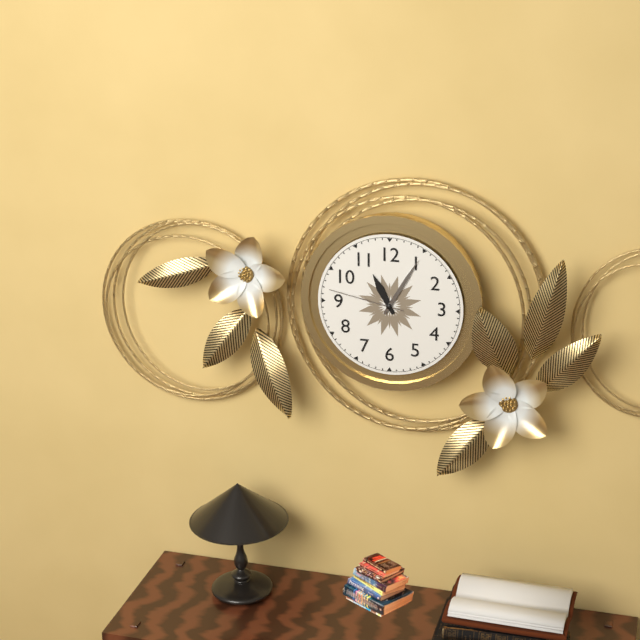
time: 11:05:47
